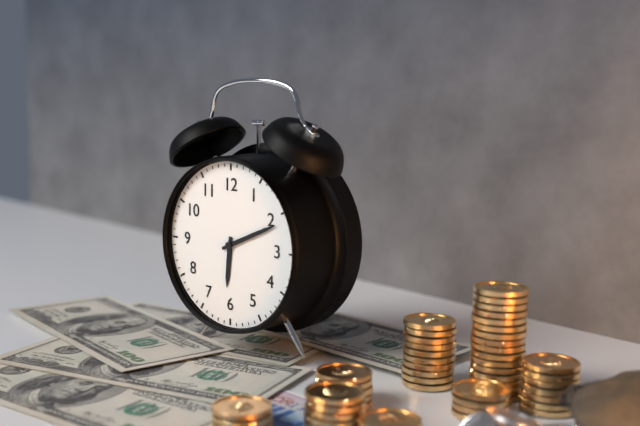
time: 6:11
